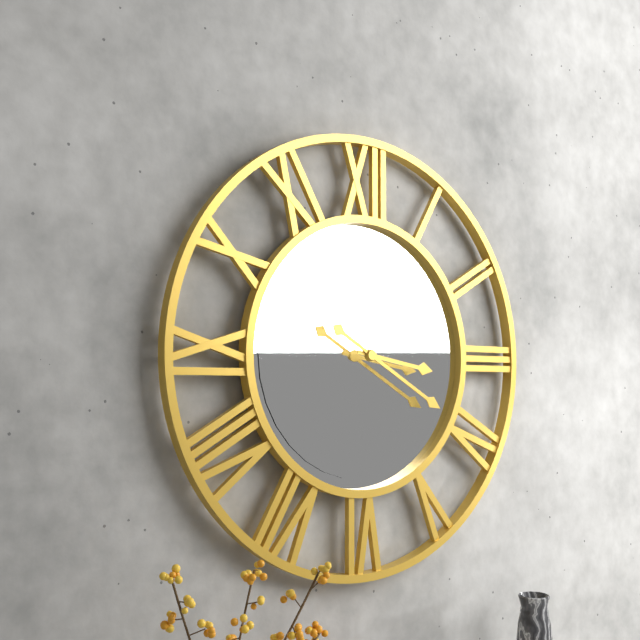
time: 3:20
